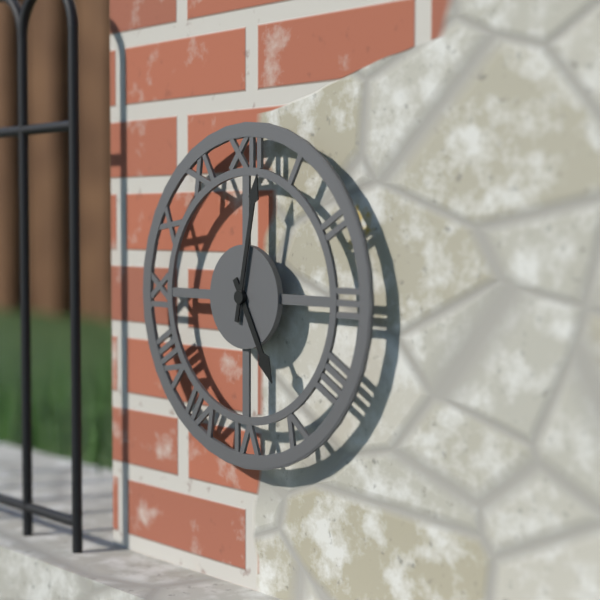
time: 5:02
